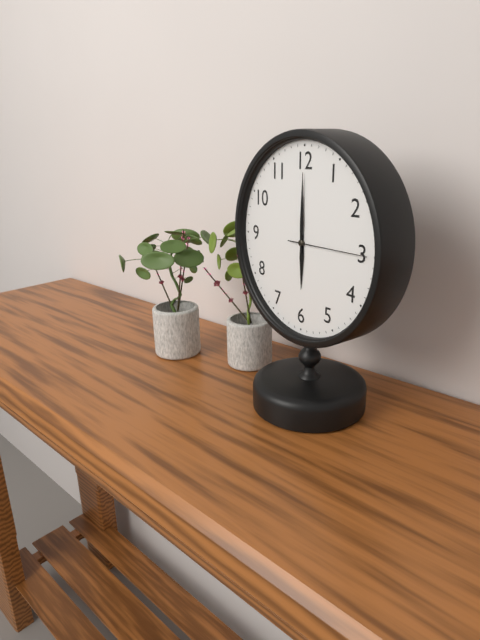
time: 6:00:15
